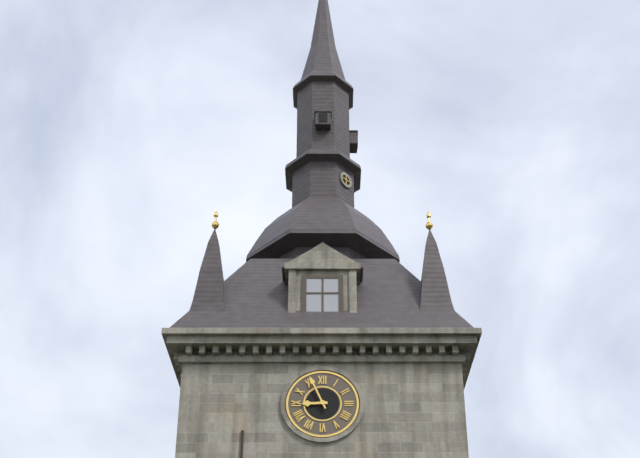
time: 8:56
